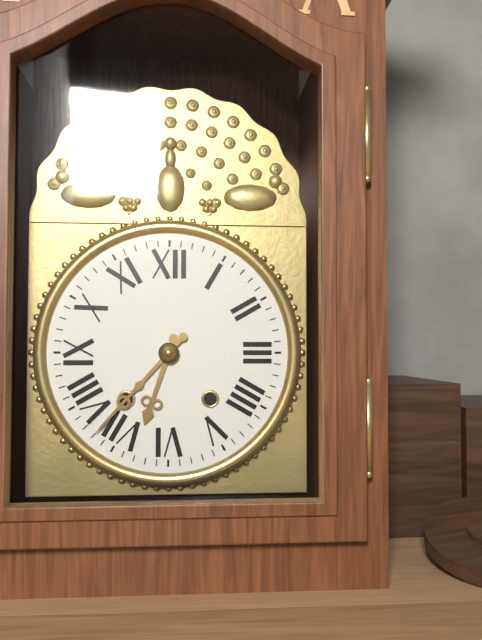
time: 6:37
